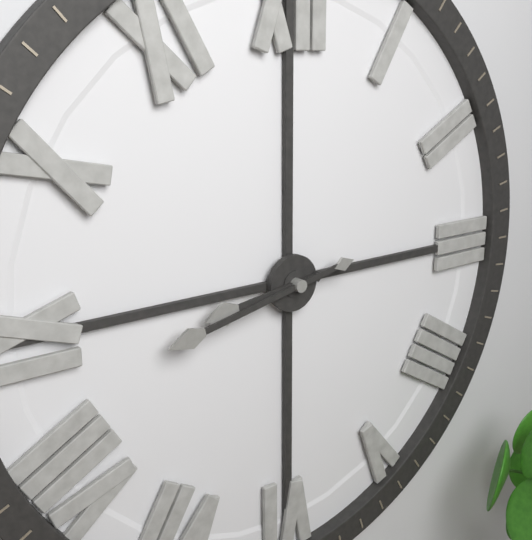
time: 8:43
